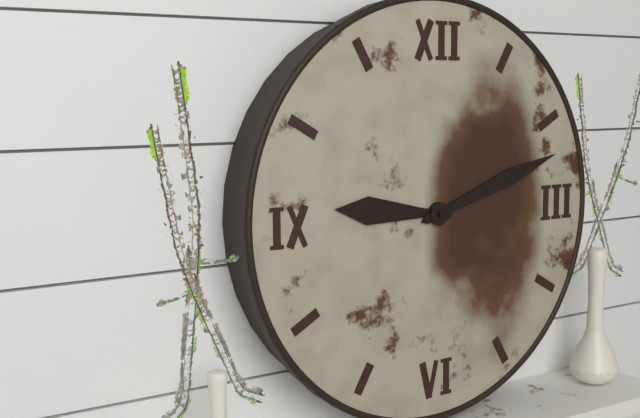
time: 9:12
